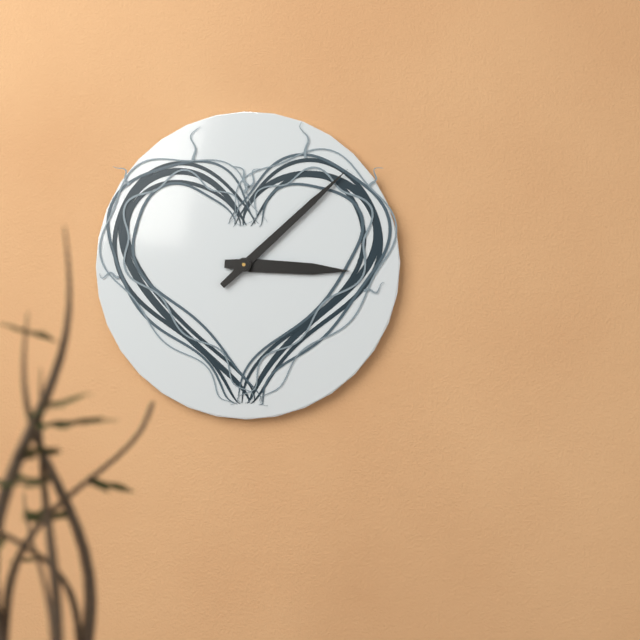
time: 3:08
